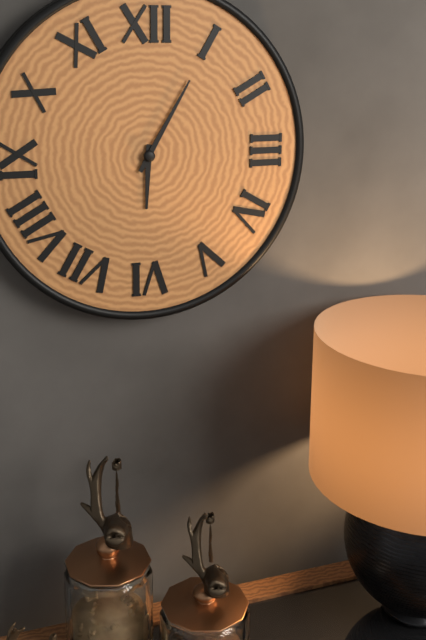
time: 6:05
